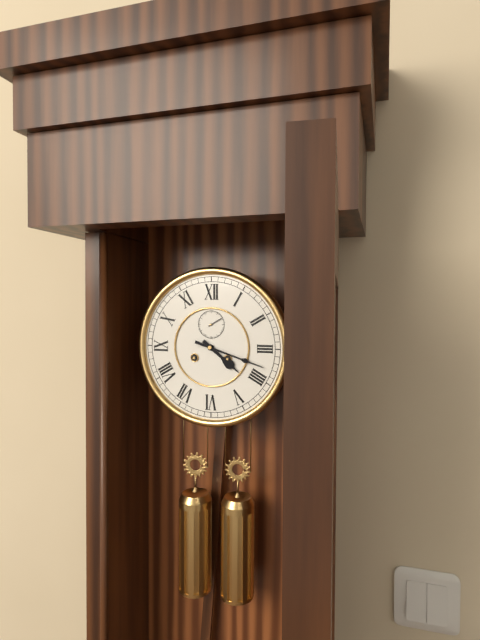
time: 4:18
